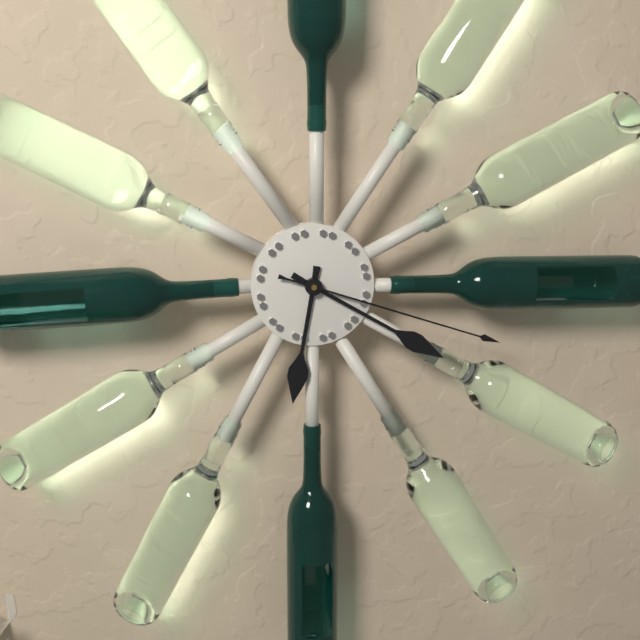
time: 6:20:18
